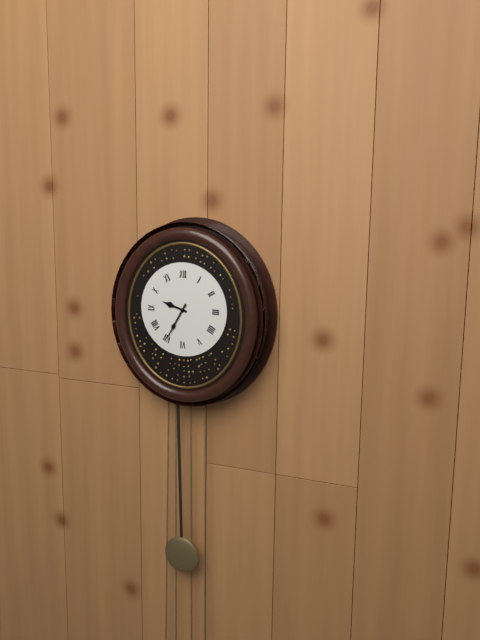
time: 9:35
